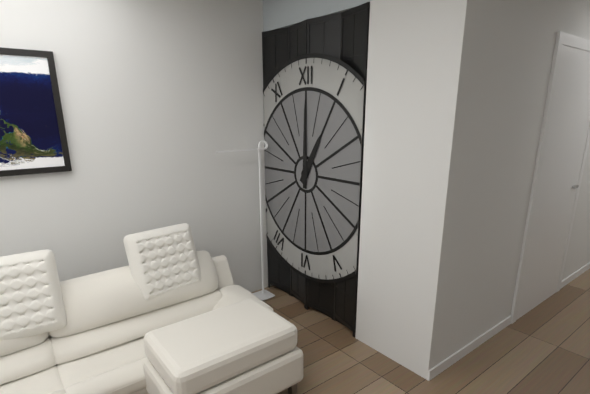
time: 1:00
